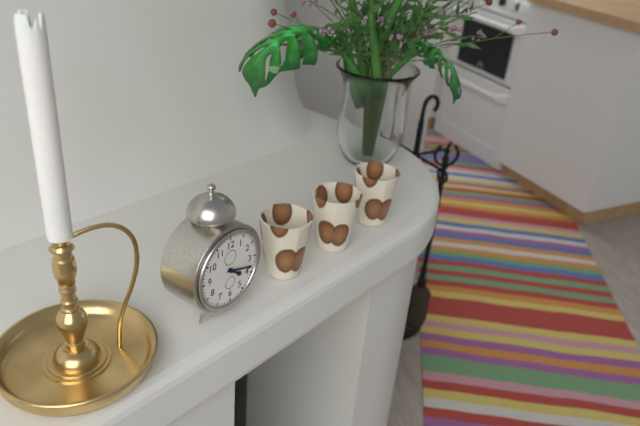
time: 4:18
